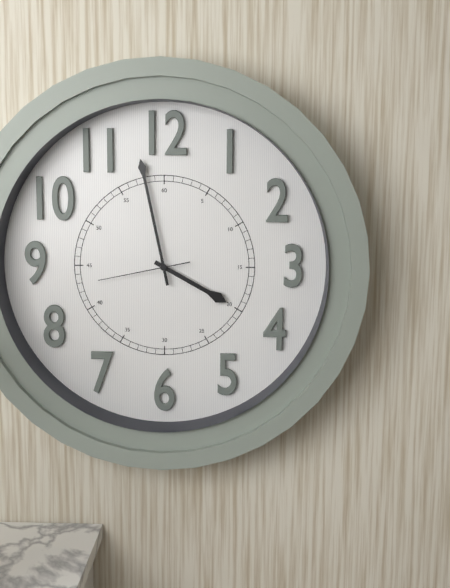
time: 3:58:43
